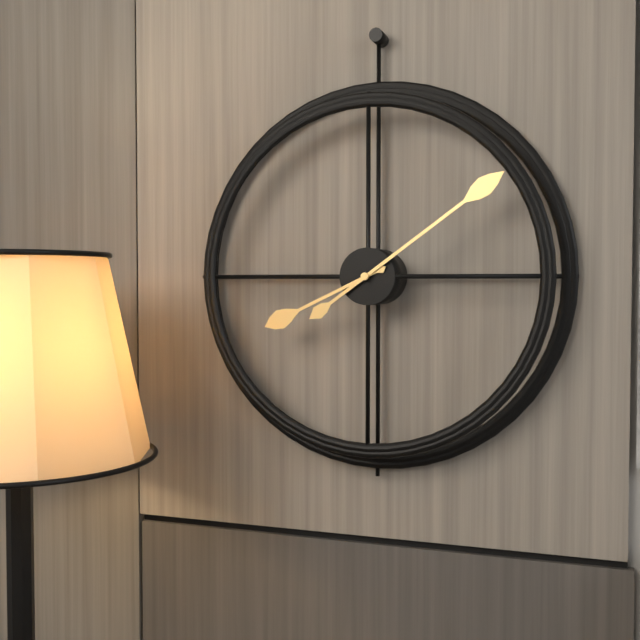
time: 8:09
